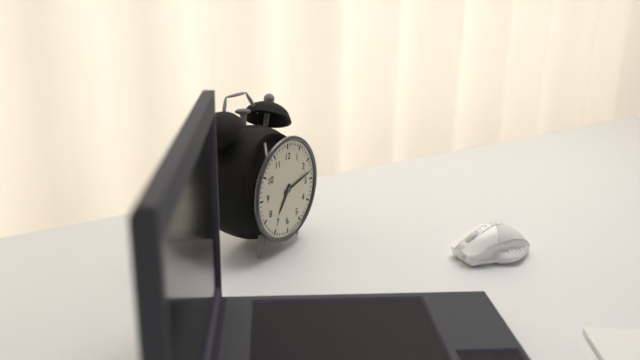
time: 7:13
